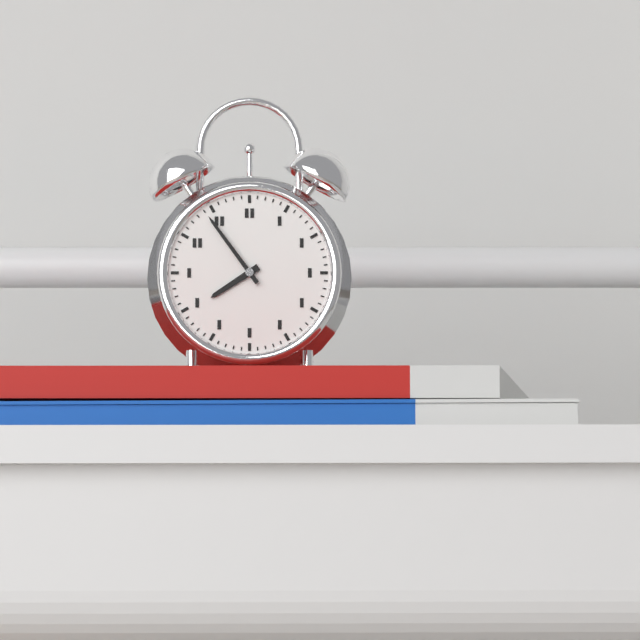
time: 7:54
